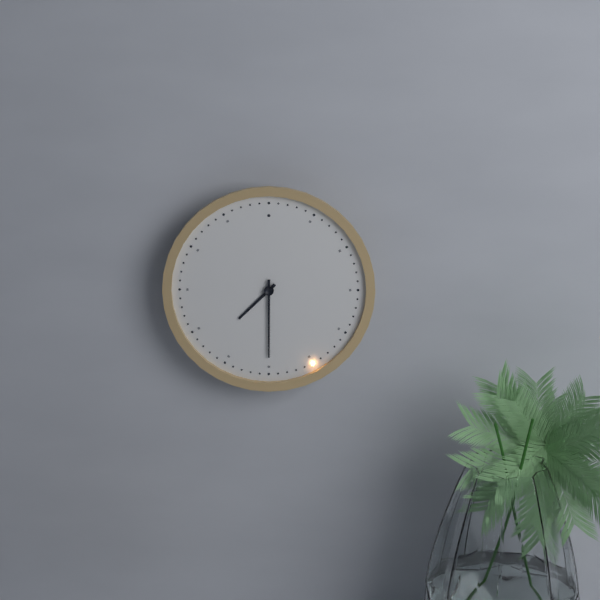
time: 7:30
